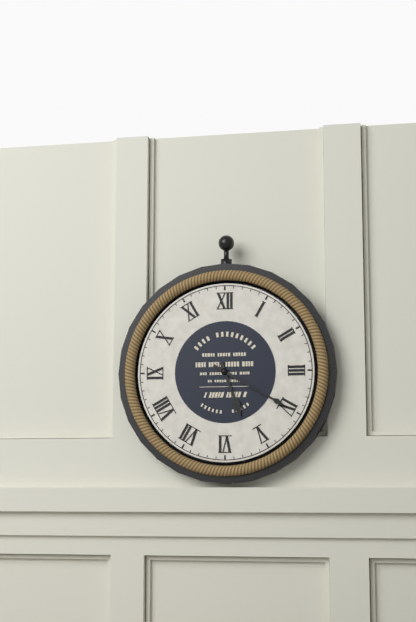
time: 5:20
